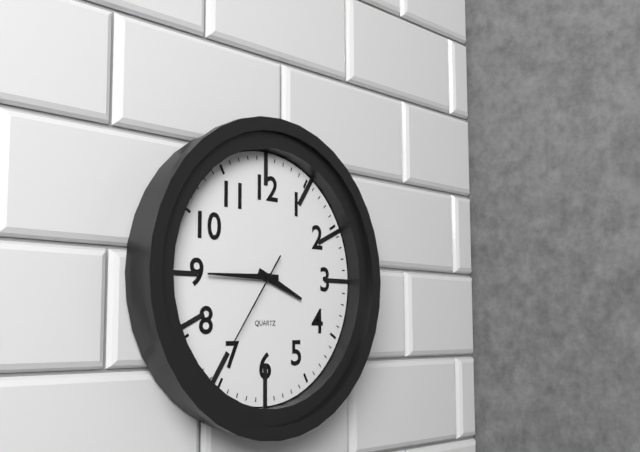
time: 3:45:36
